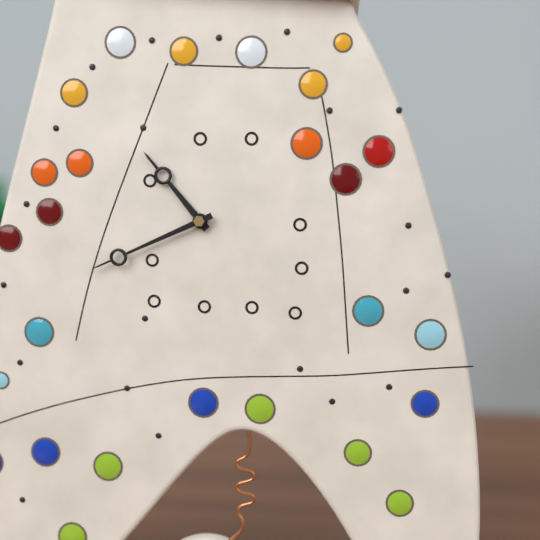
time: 10:41
